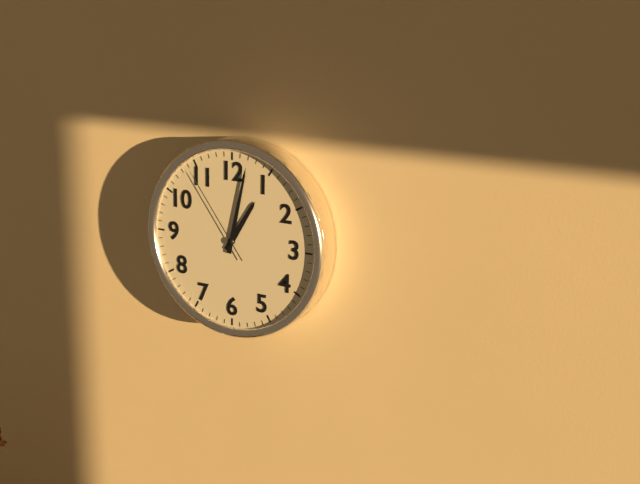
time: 1:02:54
